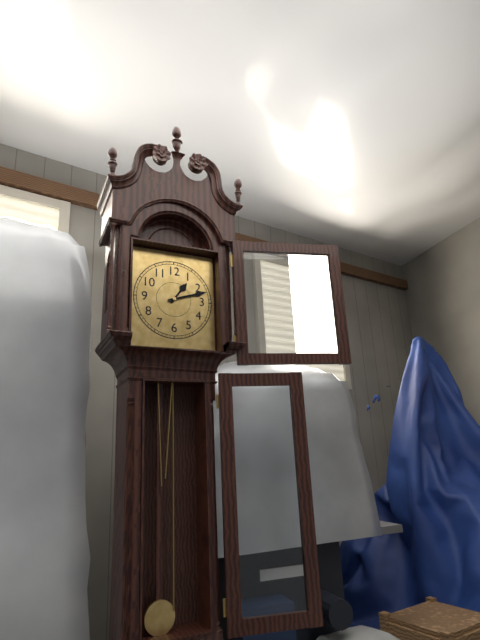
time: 1:12
